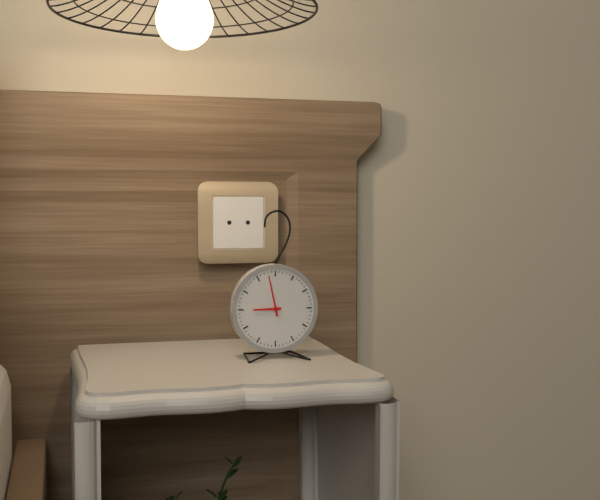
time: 8:58
